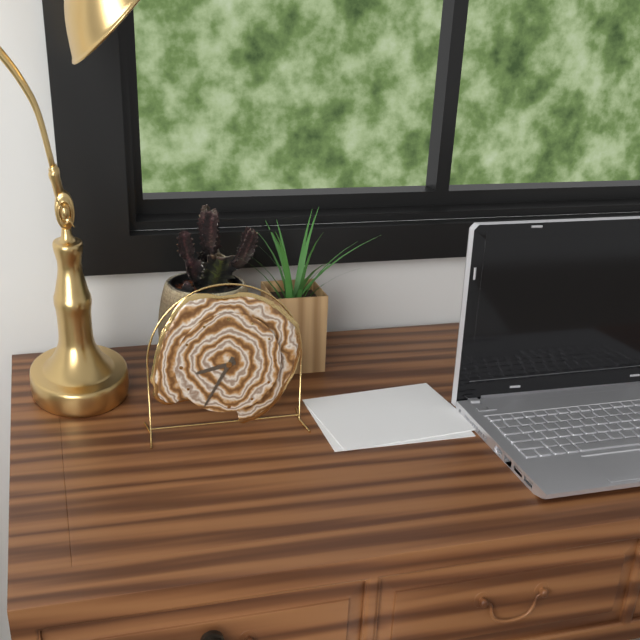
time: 8:35
